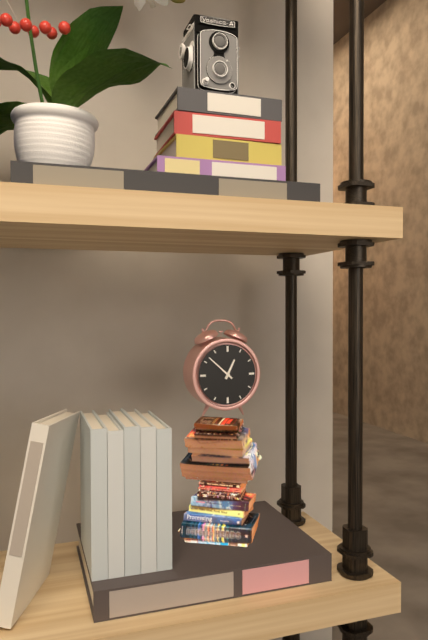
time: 12:52
